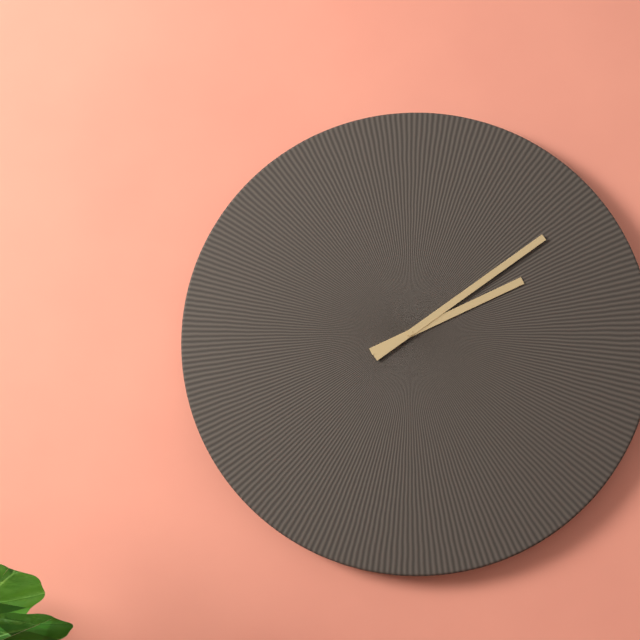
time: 2:09
